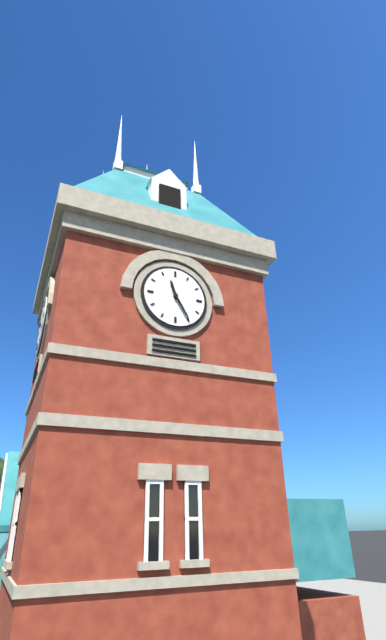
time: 11:25
